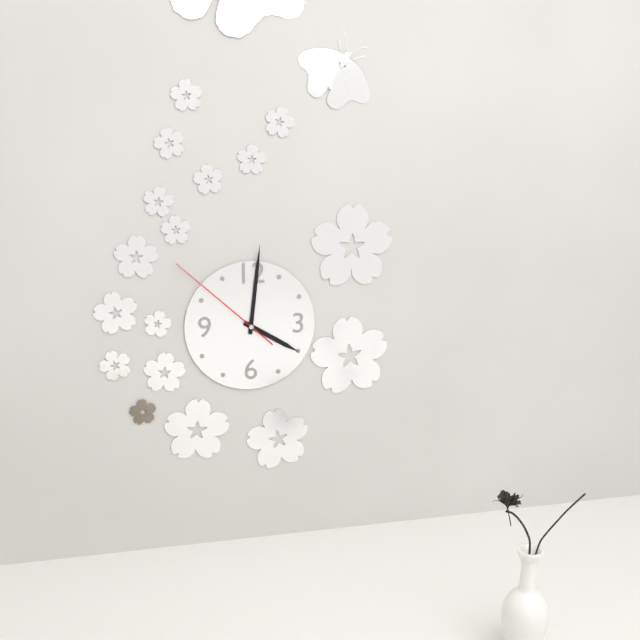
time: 4:01:52
